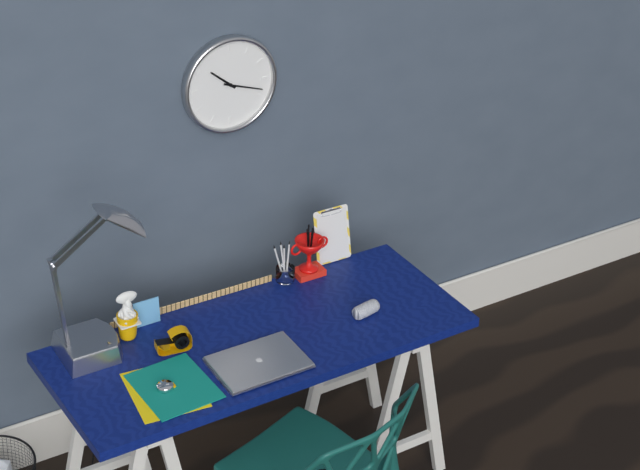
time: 10:18
